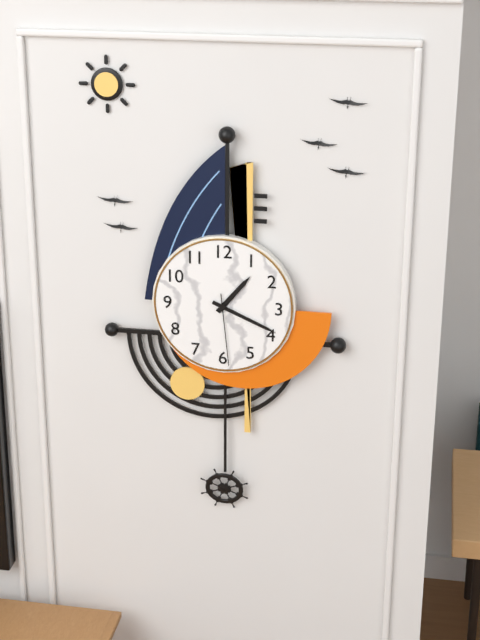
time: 1:19:29
